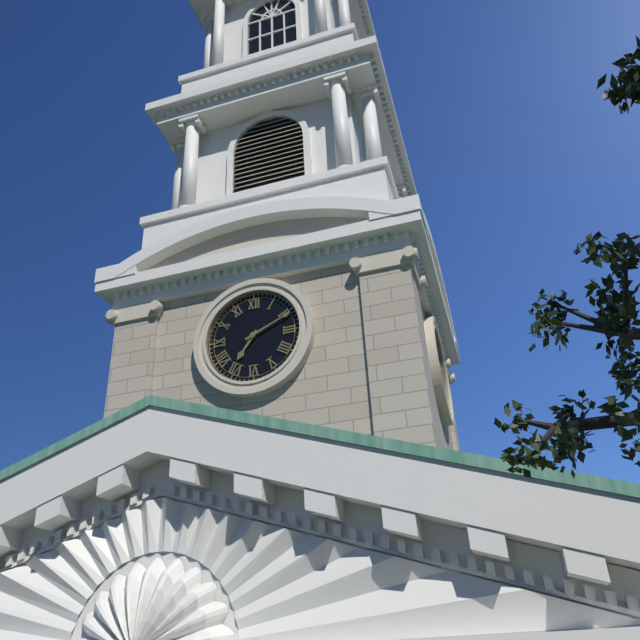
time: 7:11
